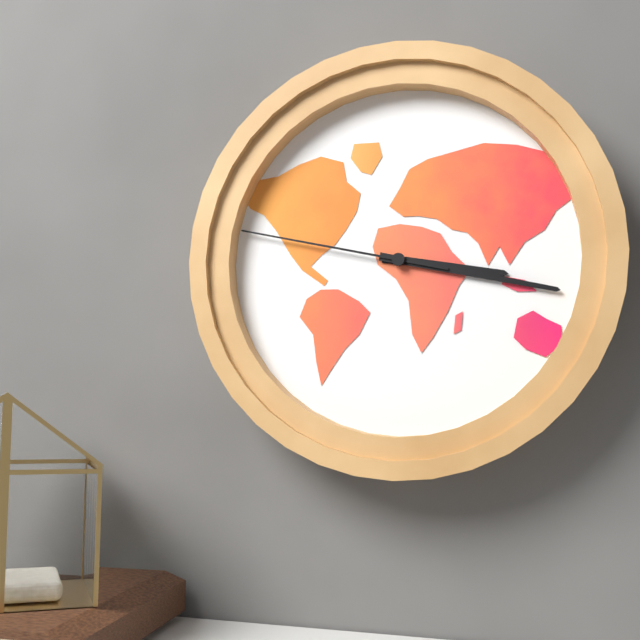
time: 3:17:47
